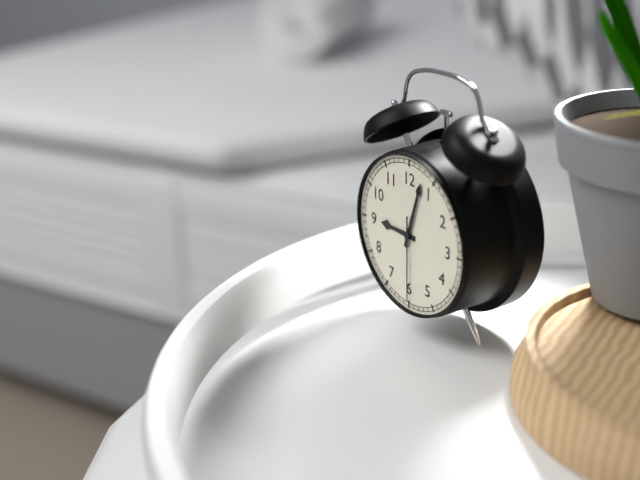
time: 9:03:30
